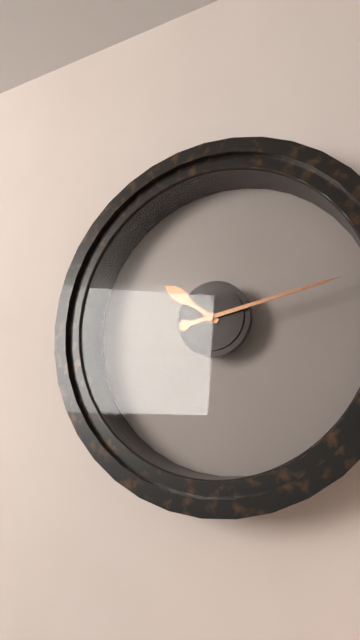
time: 10:13
